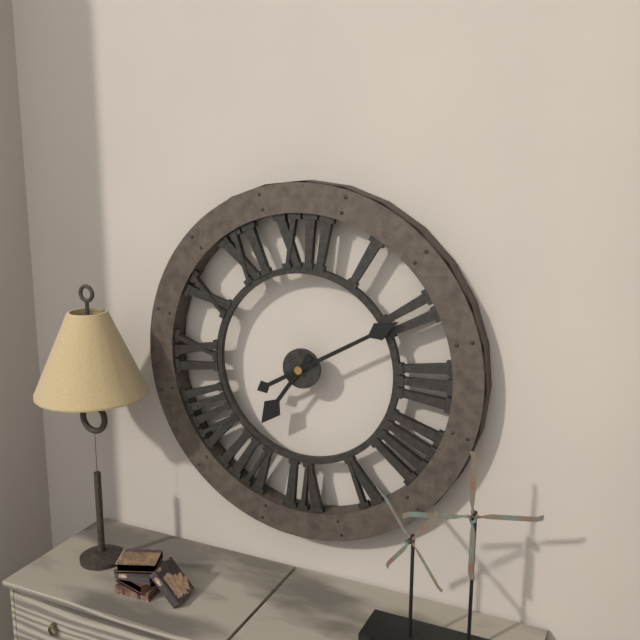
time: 7:10
